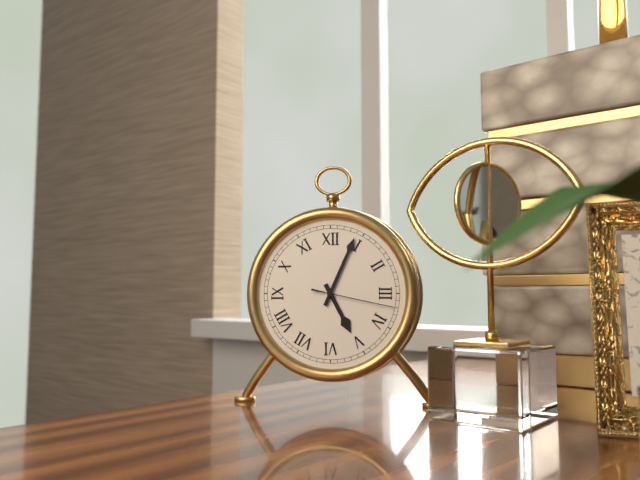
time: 5:04:17
